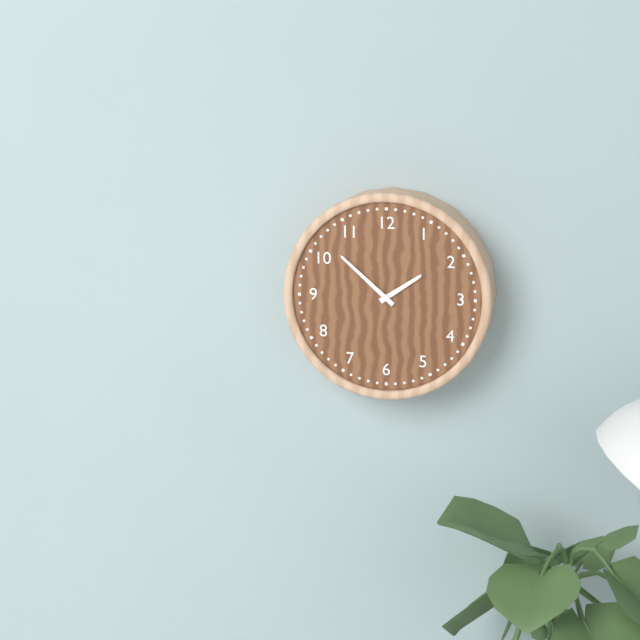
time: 1:52
